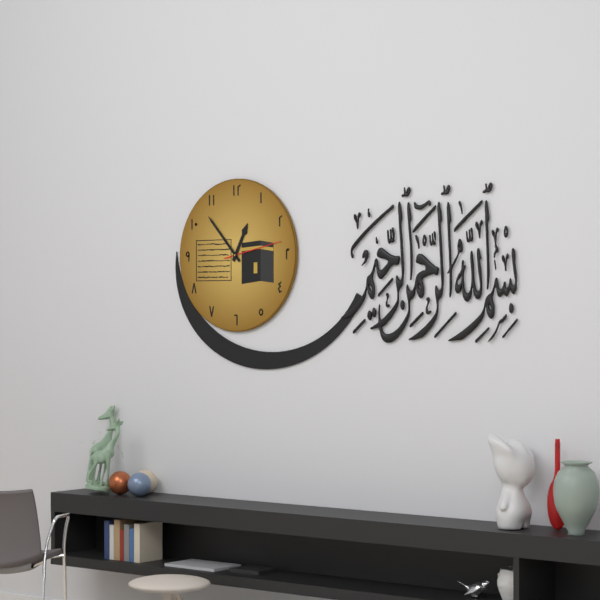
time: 12:53:13
